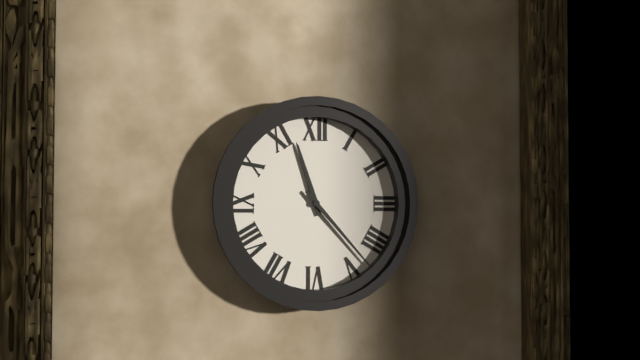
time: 11:23
